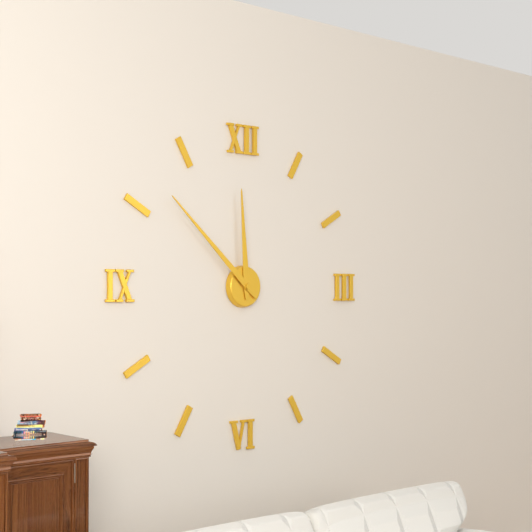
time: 11:52
